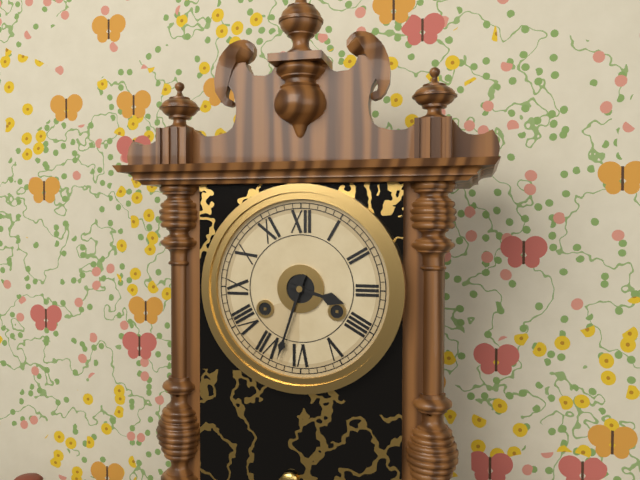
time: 3:33
